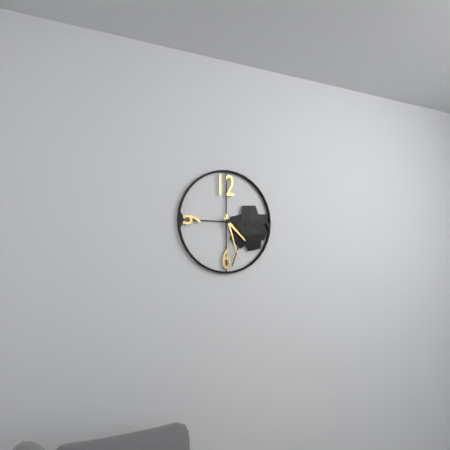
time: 4:27
